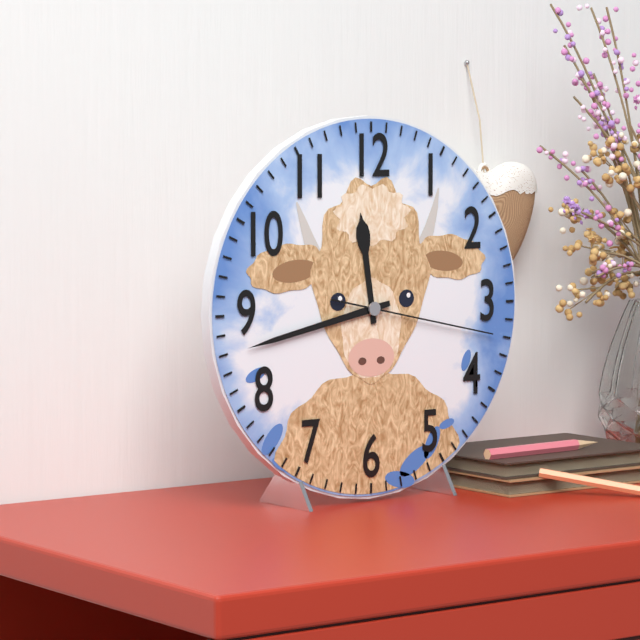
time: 11:43:17
